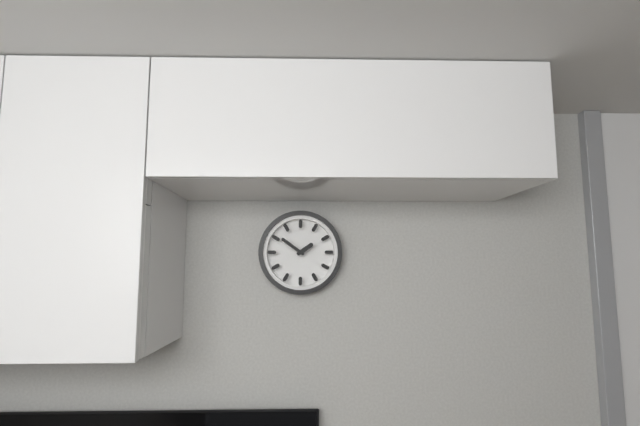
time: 1:51
